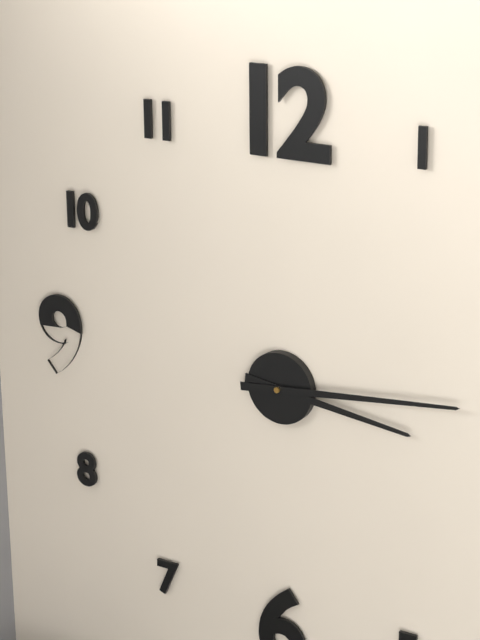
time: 3:14
